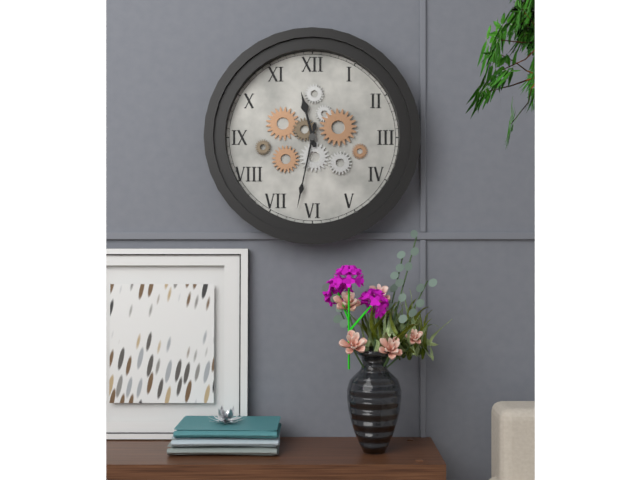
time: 11:32
